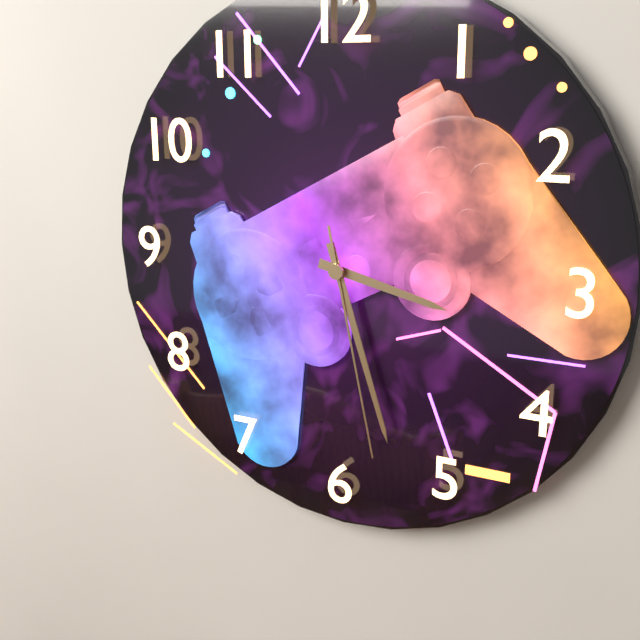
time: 3:27:28
